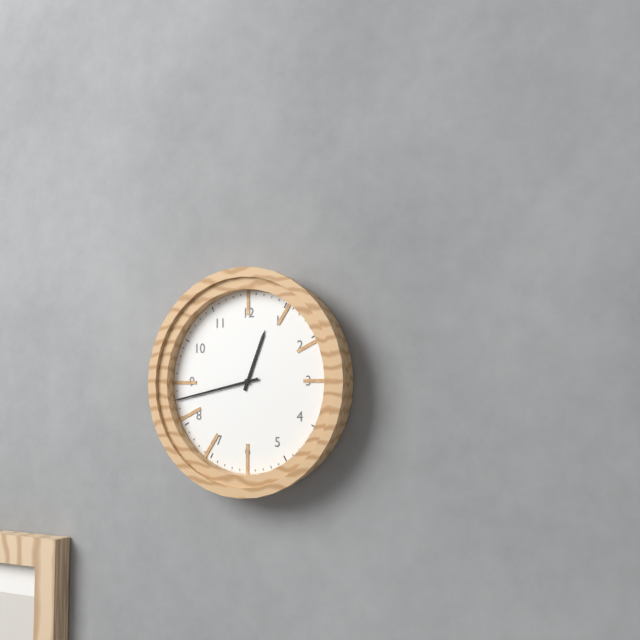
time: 12:43
